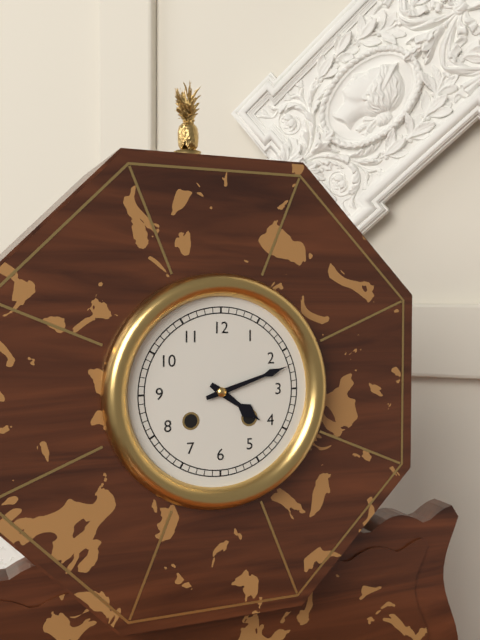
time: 4:12
